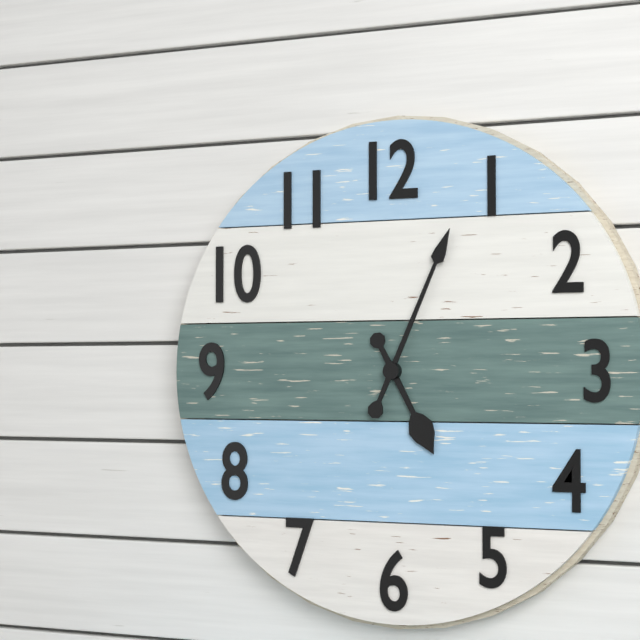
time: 5:04
